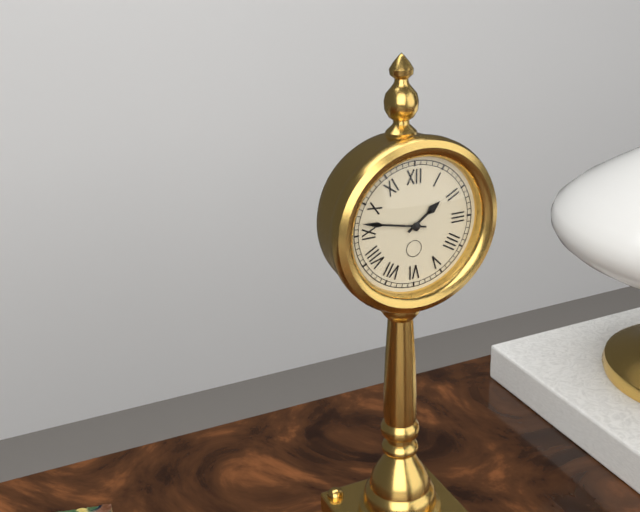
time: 1:47
